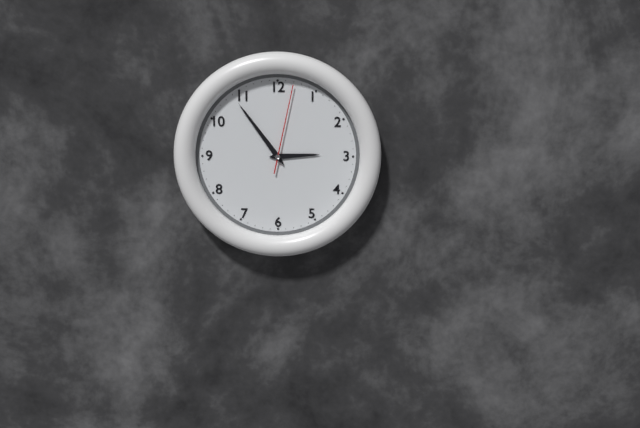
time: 2:54:02
